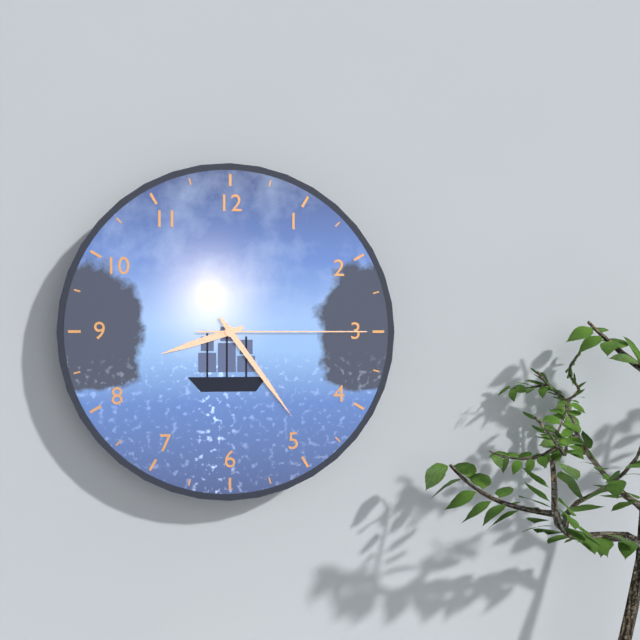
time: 8:24:15
